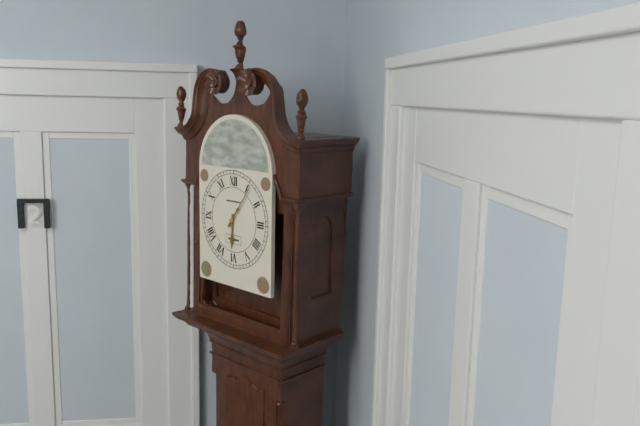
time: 6:06
